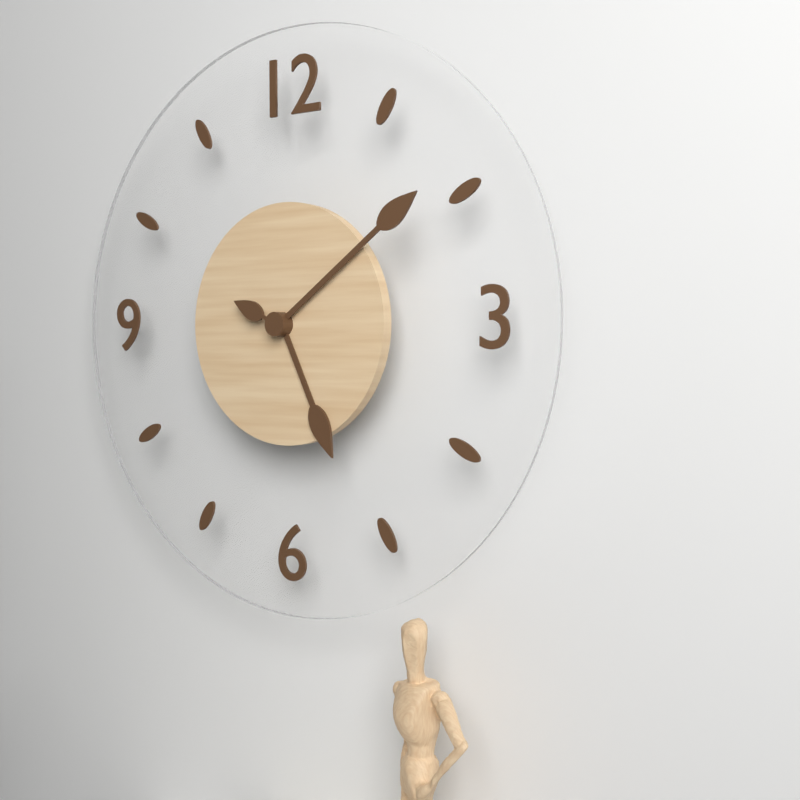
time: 5:09:49
